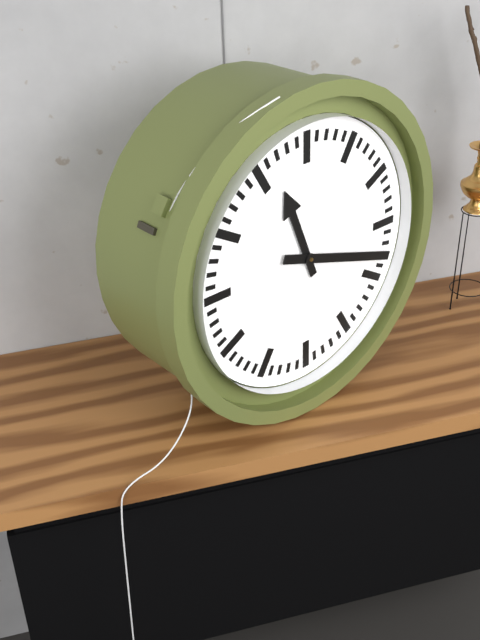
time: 11:18
